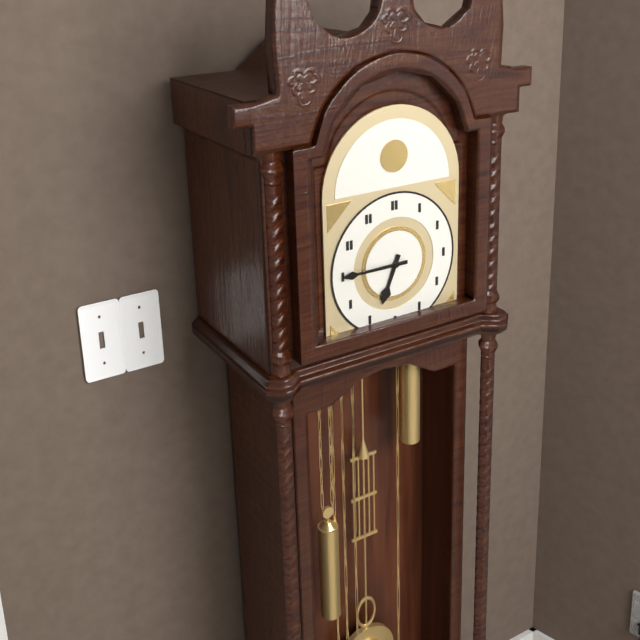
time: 6:45
